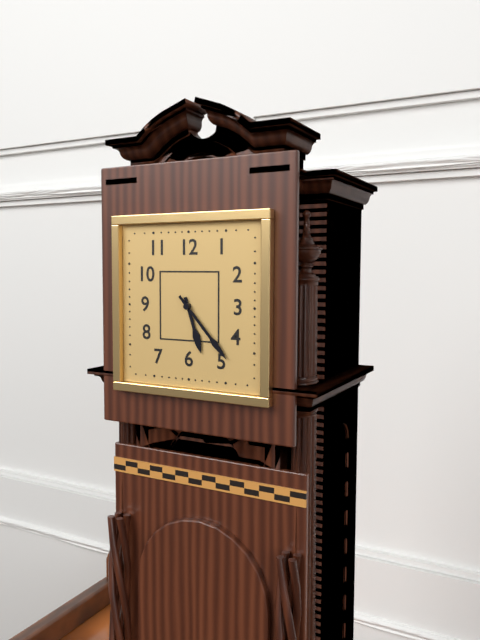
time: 5:23
